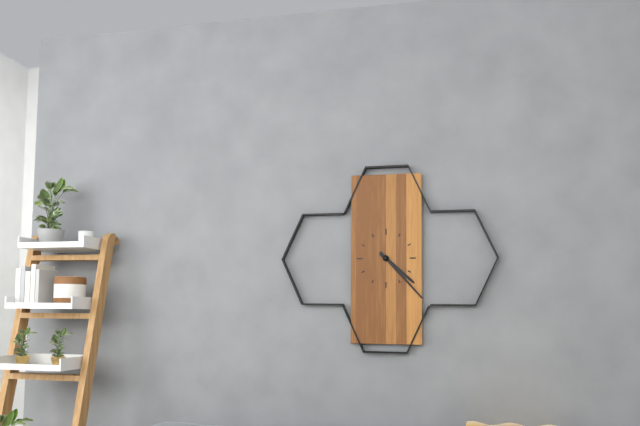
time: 4:23
